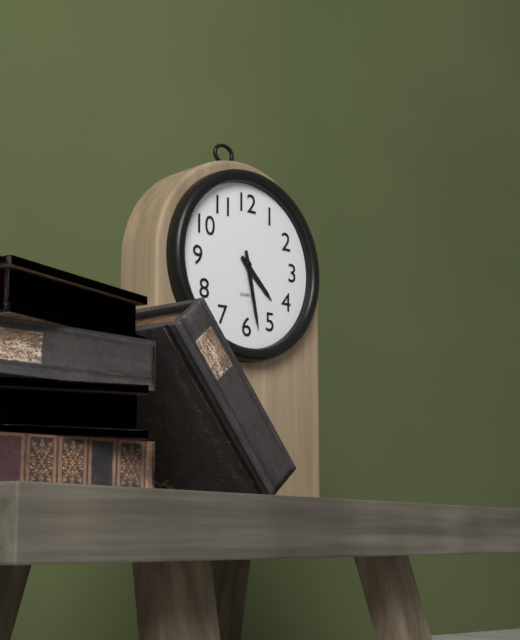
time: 4:28
